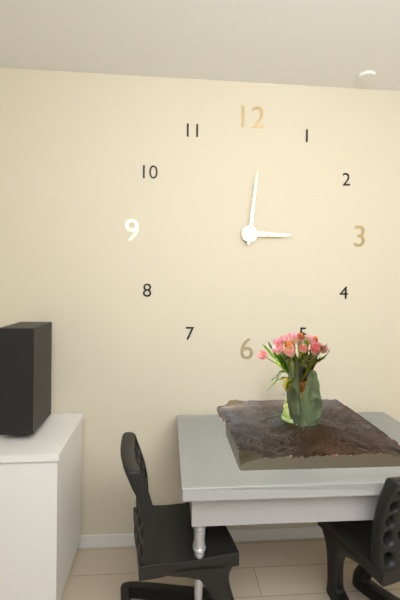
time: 3:01
